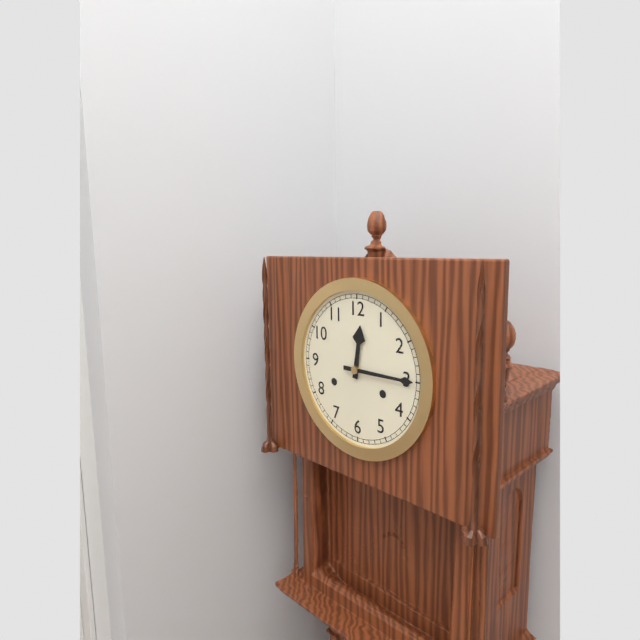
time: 12:15
